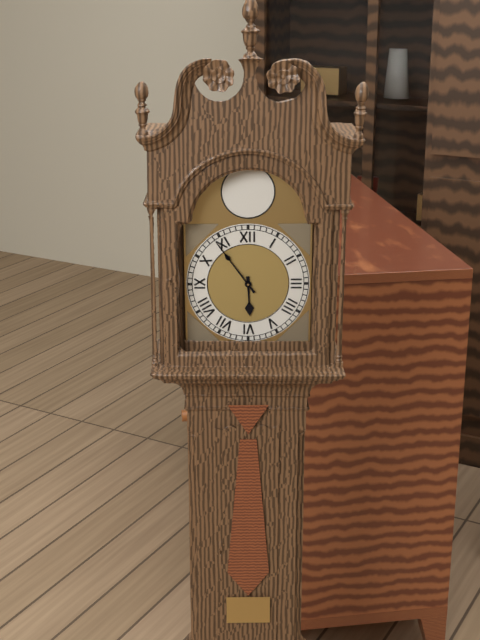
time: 5:54
